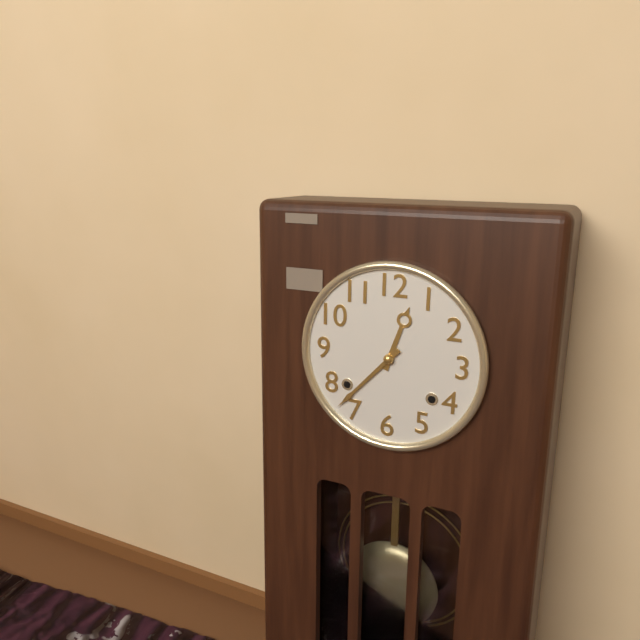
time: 12:37
